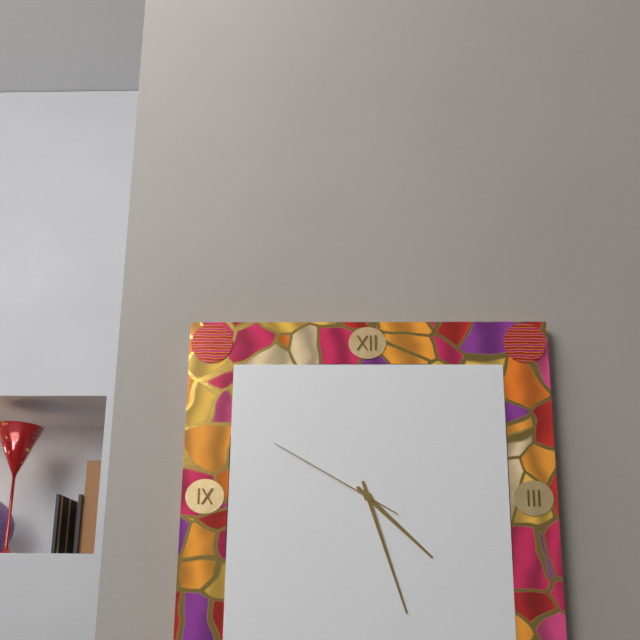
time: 4:27:50
